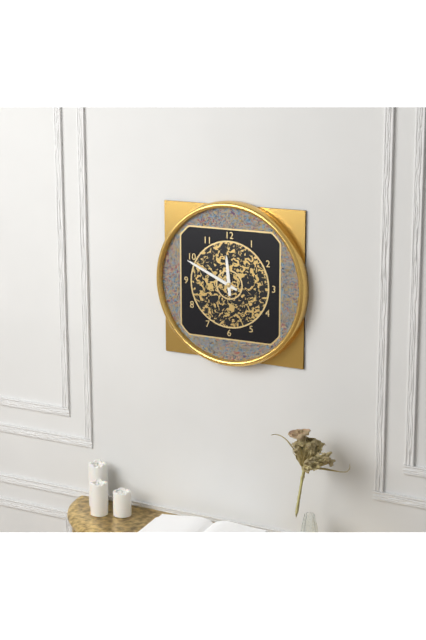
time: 11:49
